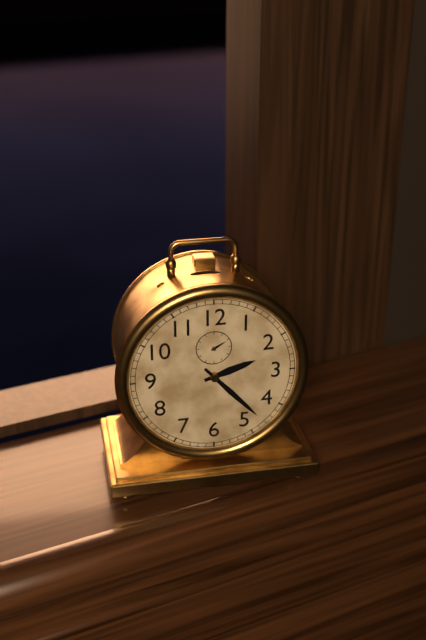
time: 2:23
